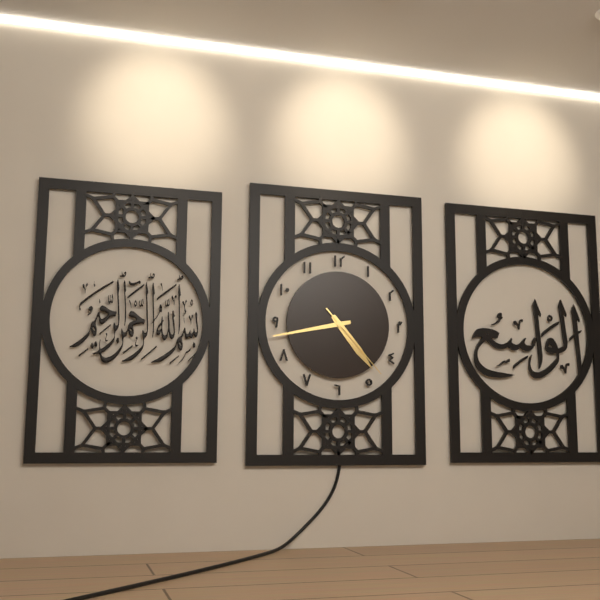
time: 4:43:23
